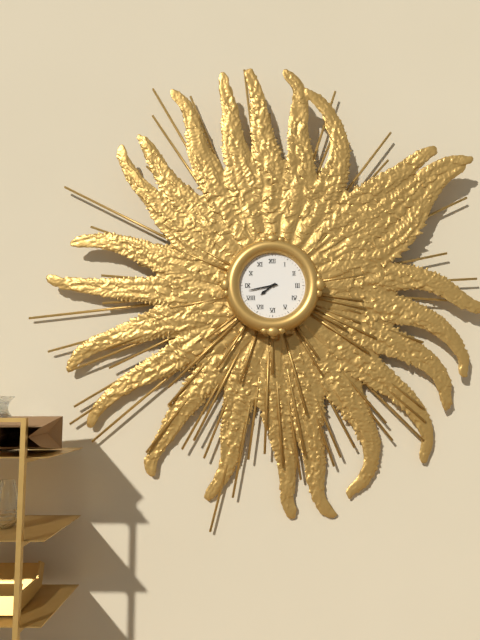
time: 7:43
